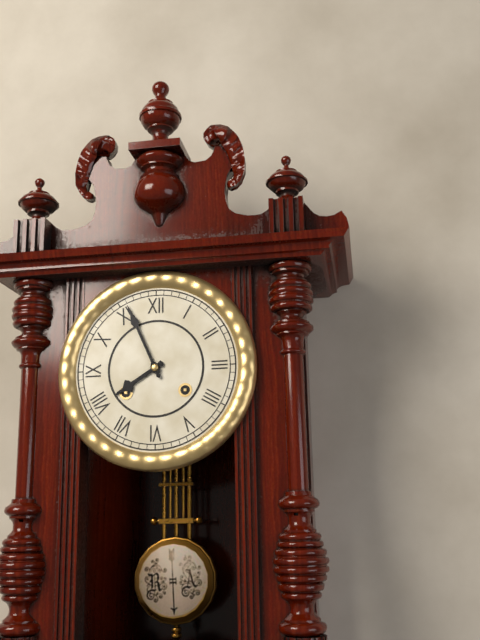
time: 7:56
